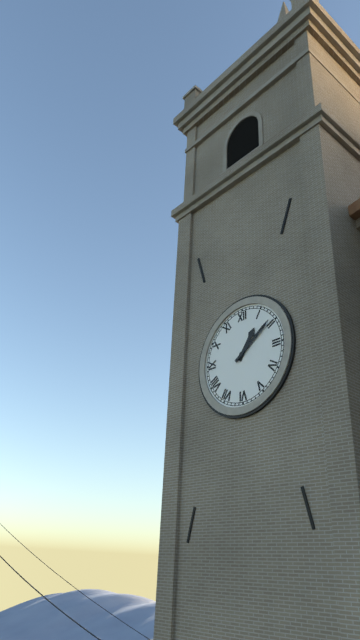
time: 1:09
